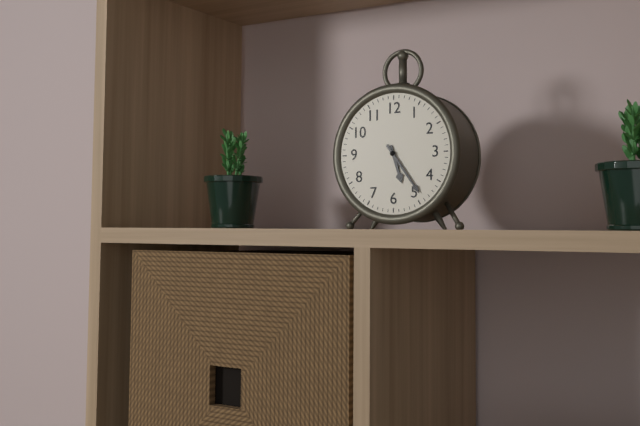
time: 5:24
